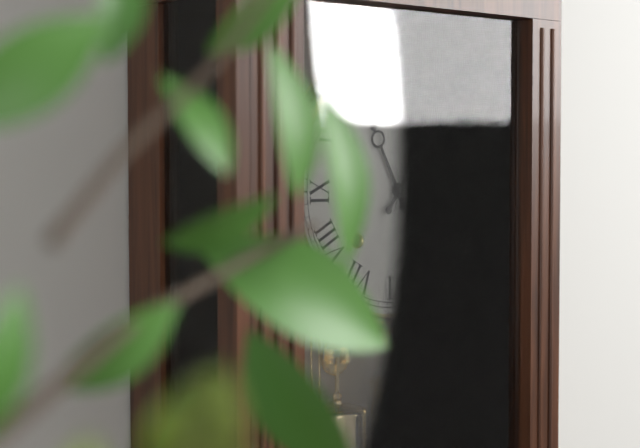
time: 11:06
